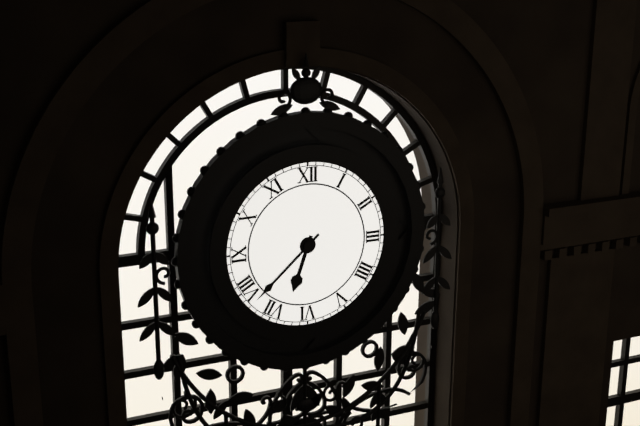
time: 6:38
